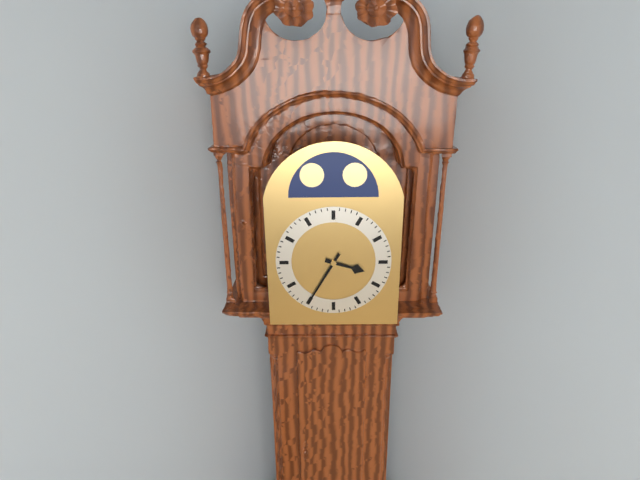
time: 3:35
